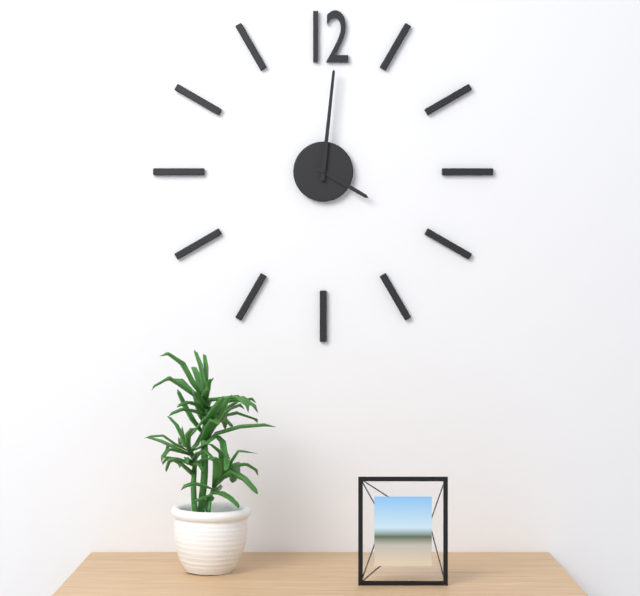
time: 4:01
